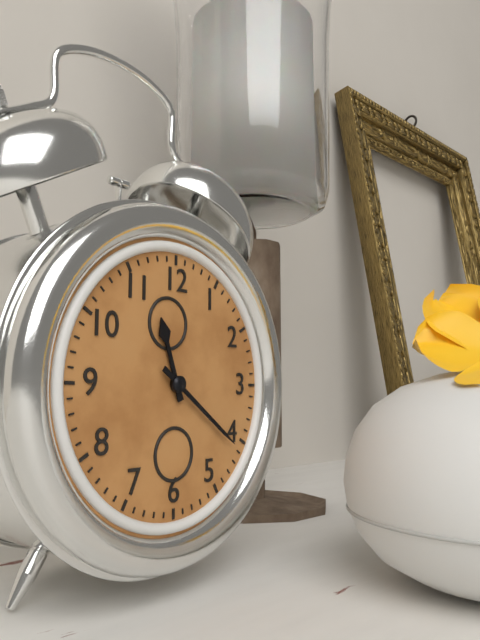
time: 11:21
